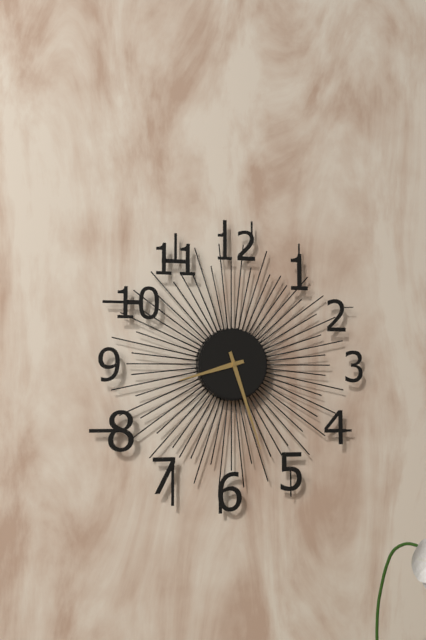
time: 8:27
